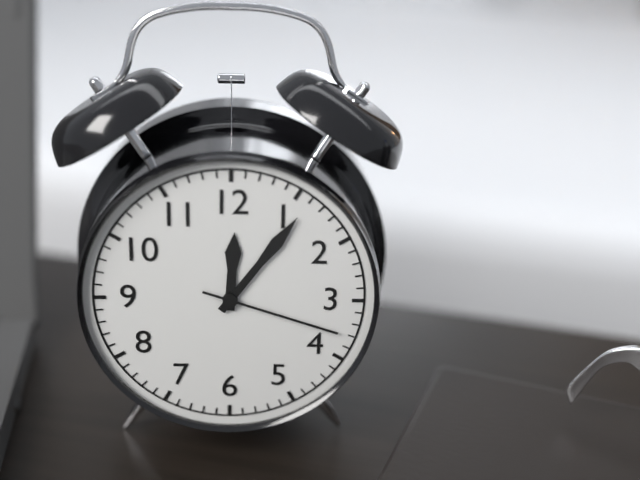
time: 12:06:18
